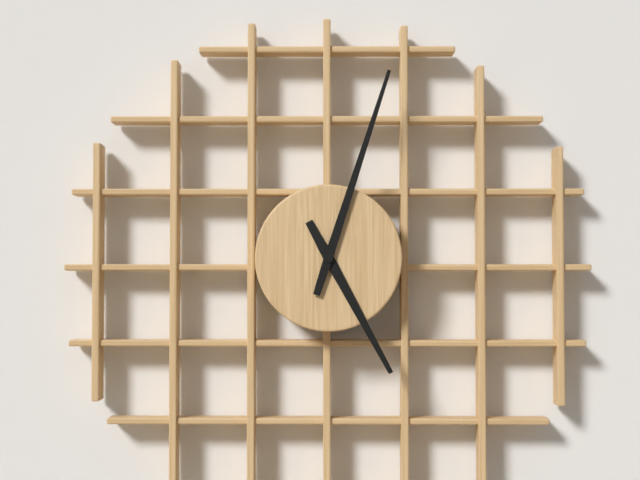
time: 5:03
